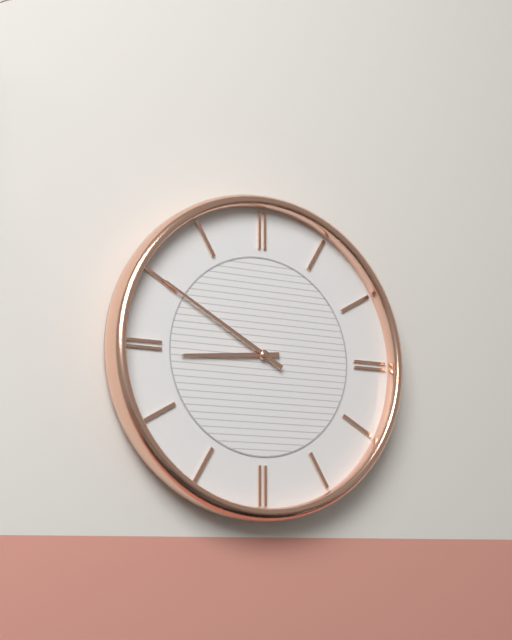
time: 8:50
